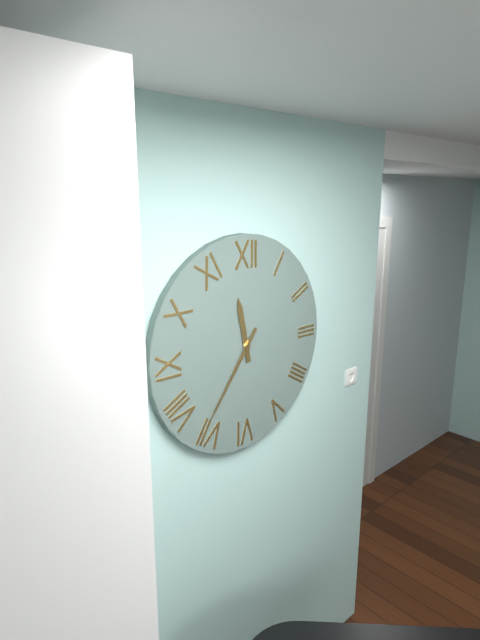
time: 11:36
